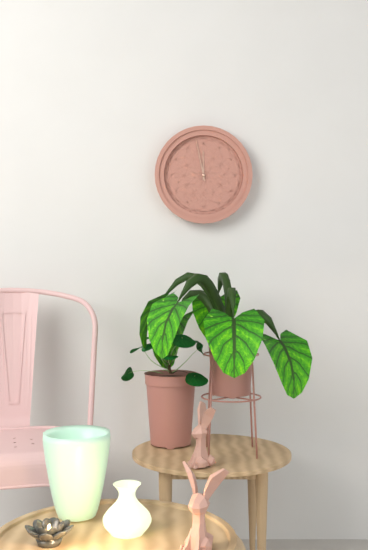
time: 11:58
